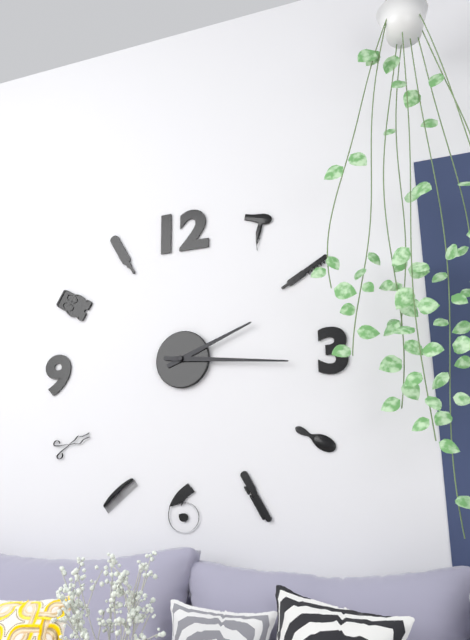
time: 2:16
